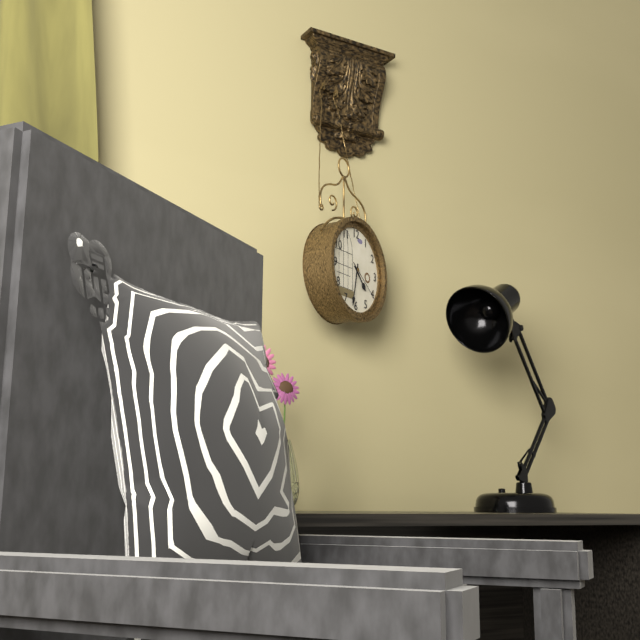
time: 4:32:21
